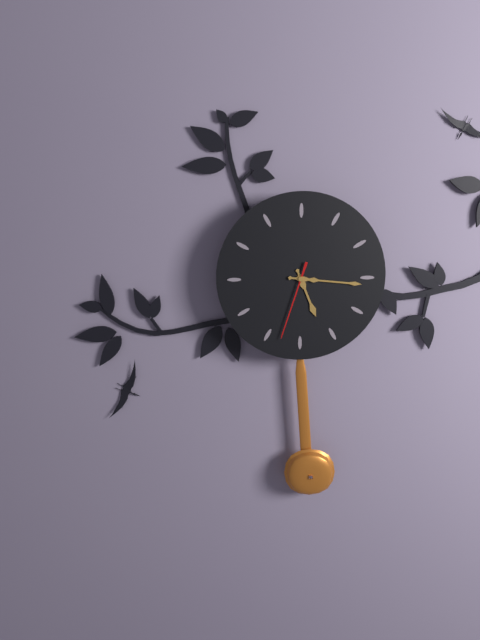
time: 5:16:33
